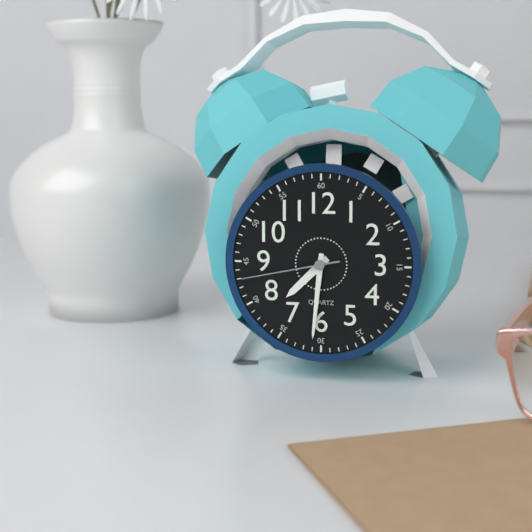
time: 7:31:43
